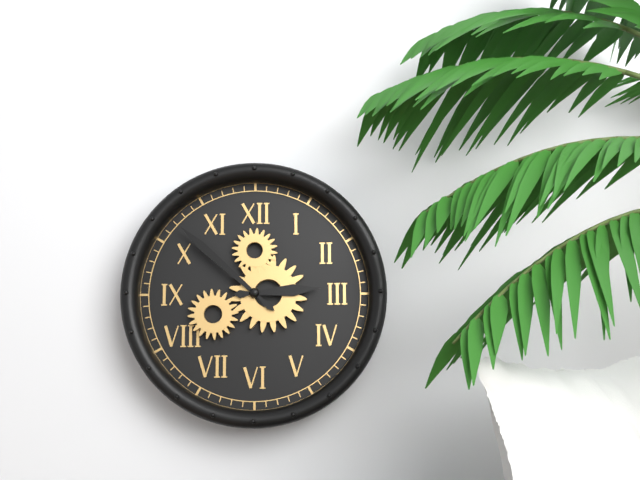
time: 2:52
